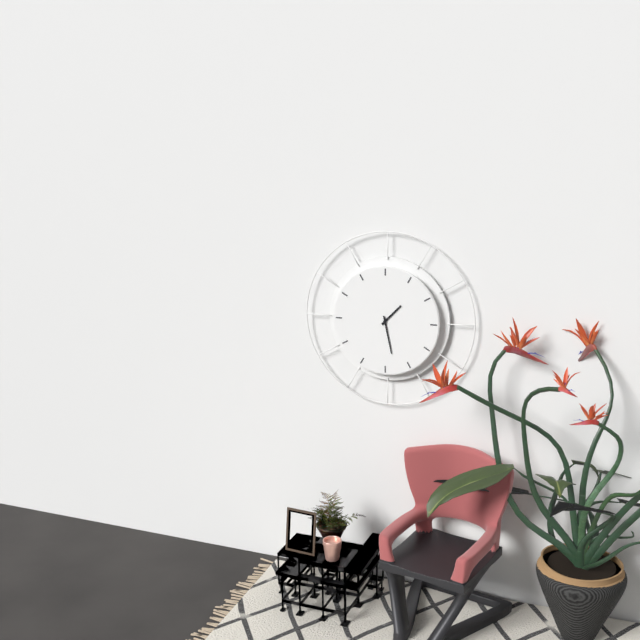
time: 1:28
